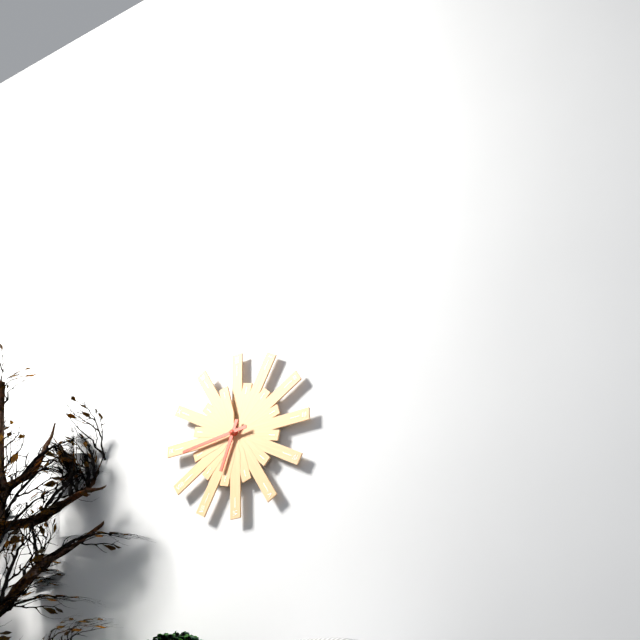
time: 6:44
